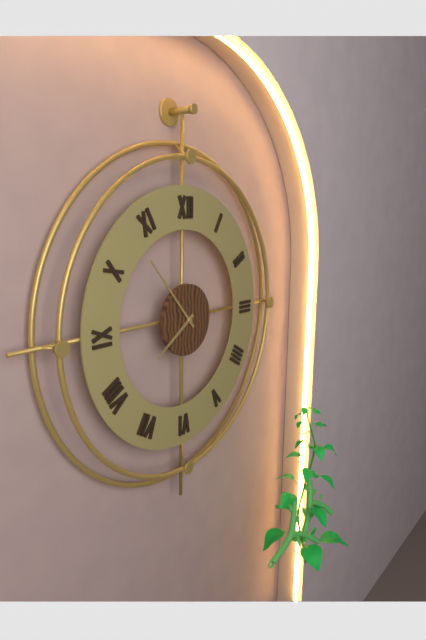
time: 7:53
